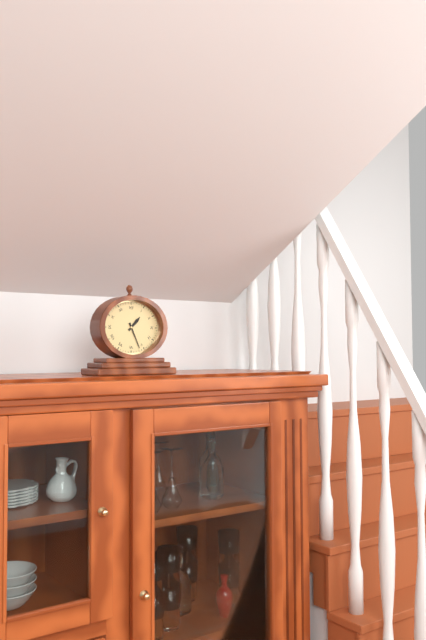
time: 1:26
